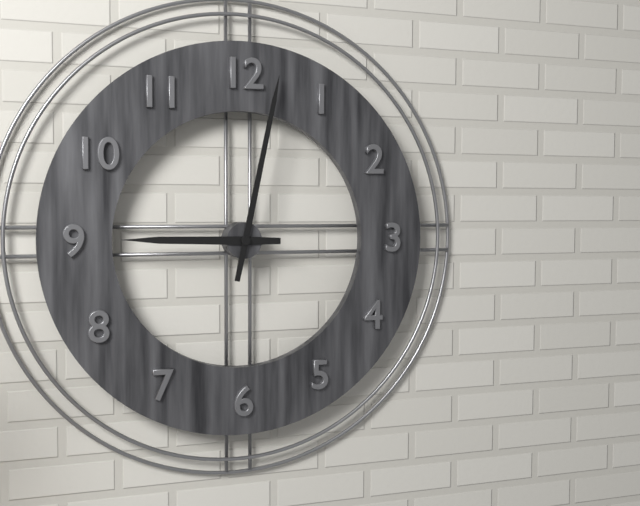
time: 9:02
